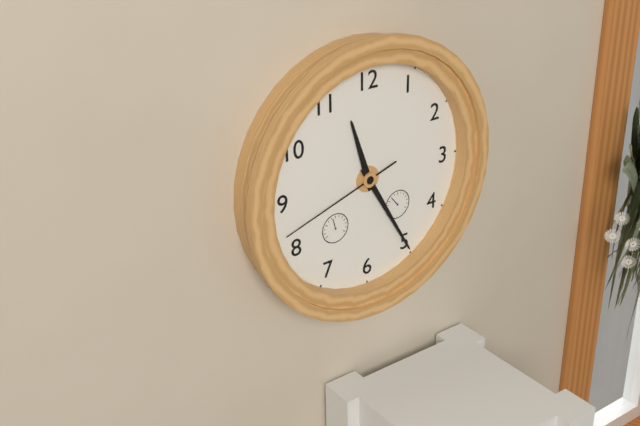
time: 11:25:42
